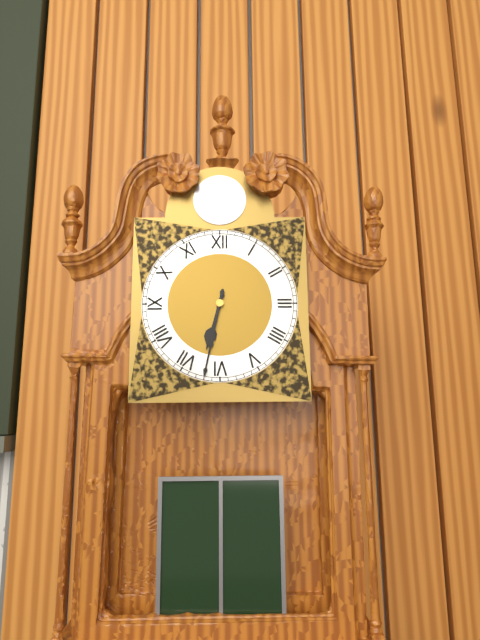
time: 6:32
